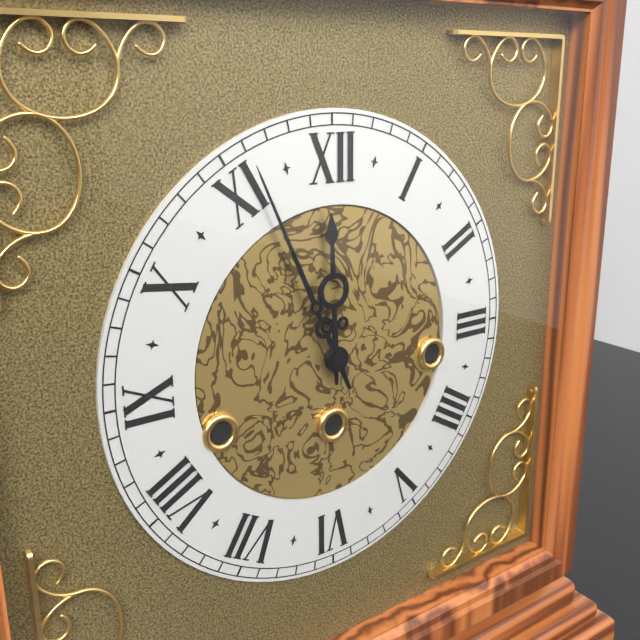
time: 11:56
